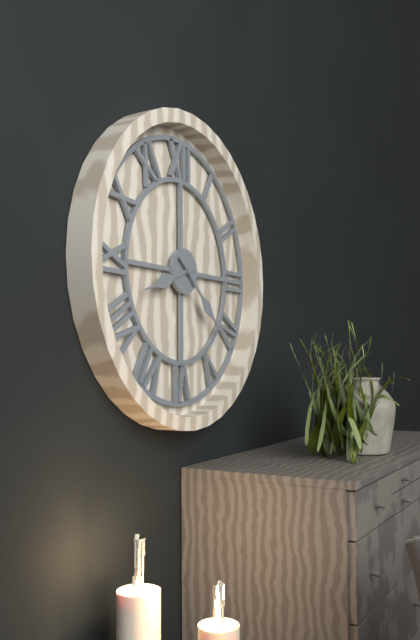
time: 8:22
